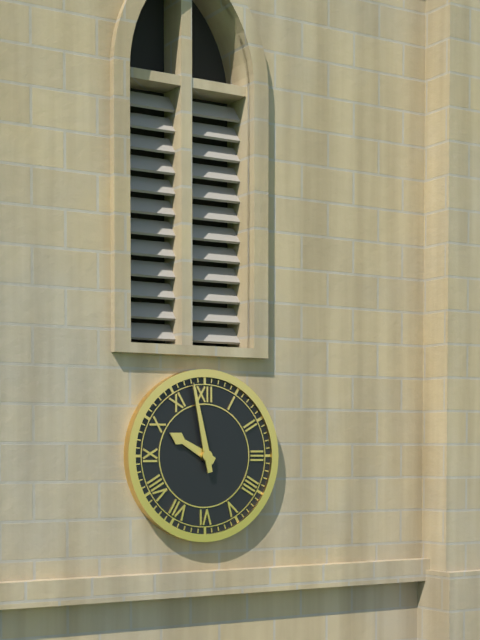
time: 9:58
